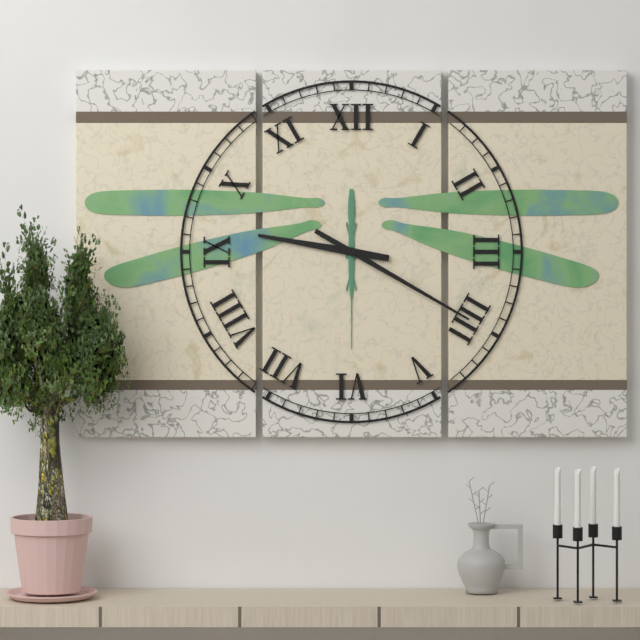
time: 9:20
